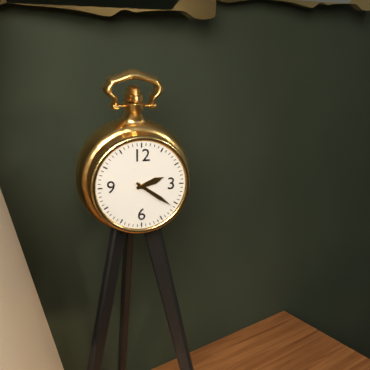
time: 2:21
